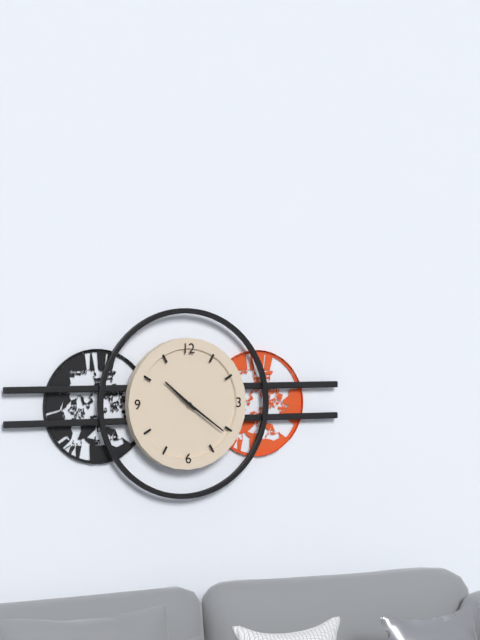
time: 10:21
